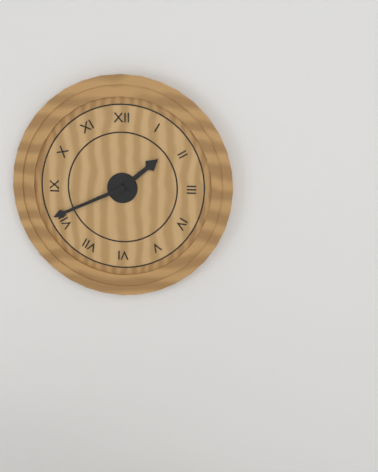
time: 1:41
